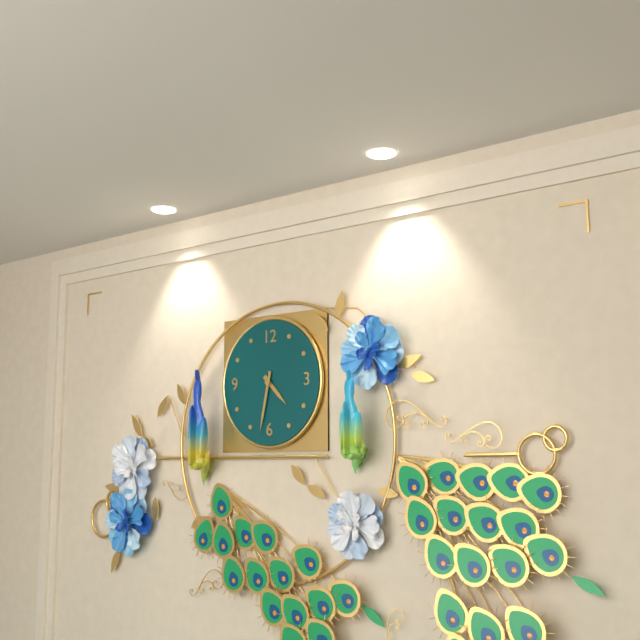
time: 4:32
